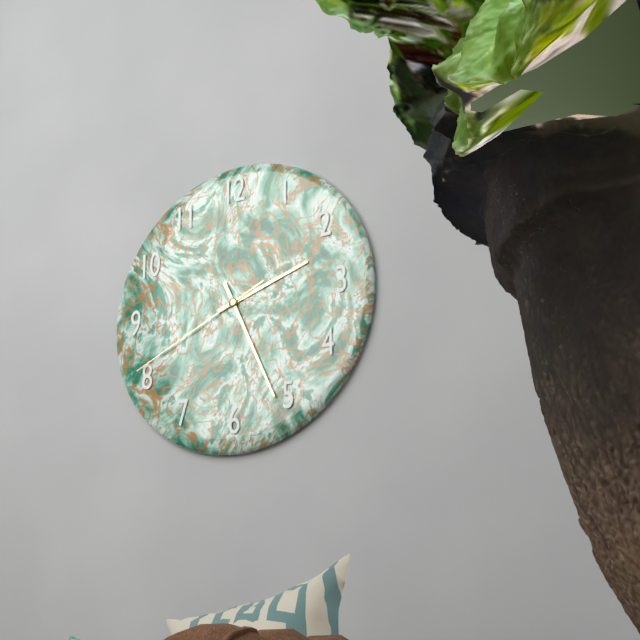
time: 2:26:41
